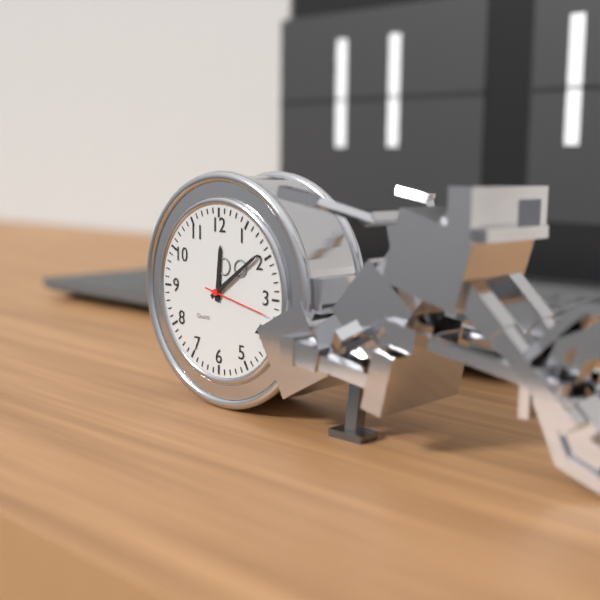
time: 12:09:17
